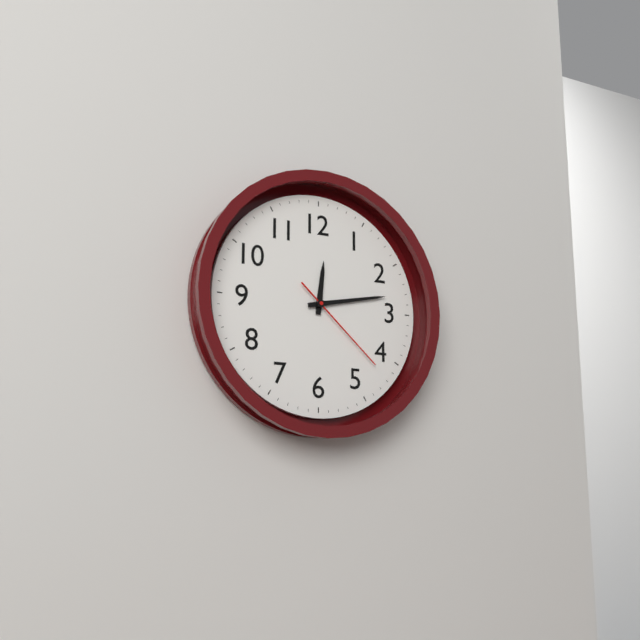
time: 12:13:22
